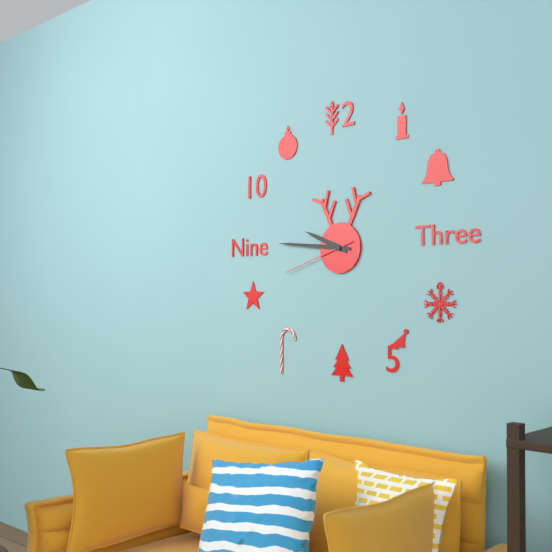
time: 9:46:42
